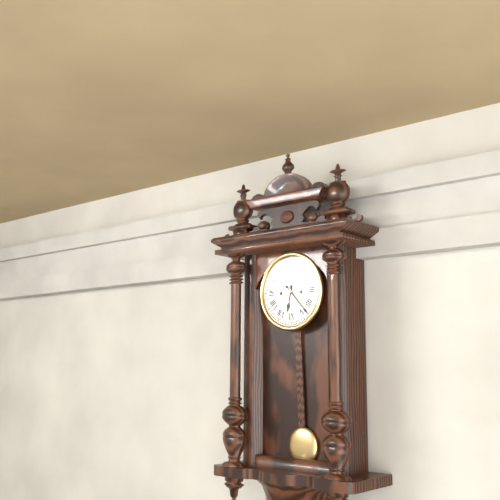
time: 6:23
